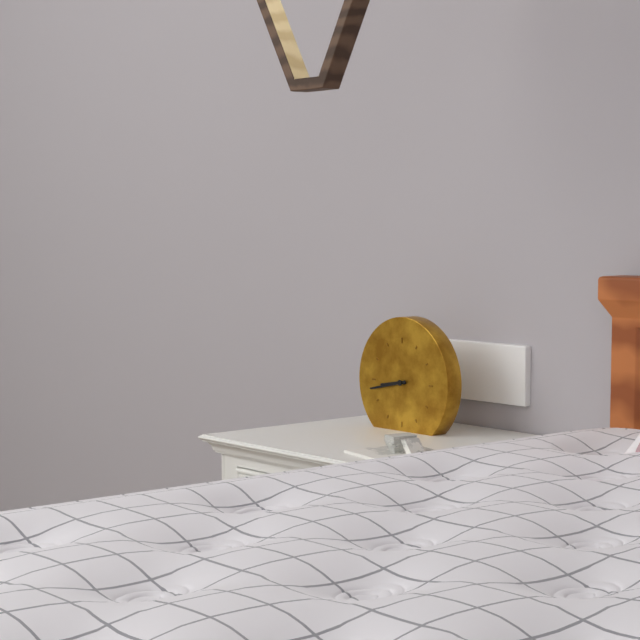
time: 8:43
